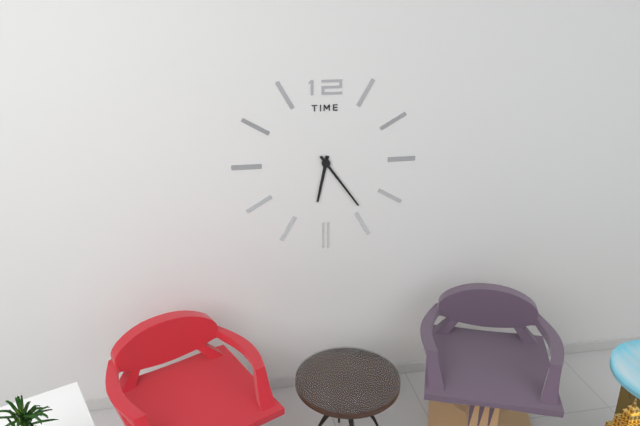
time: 6:24
